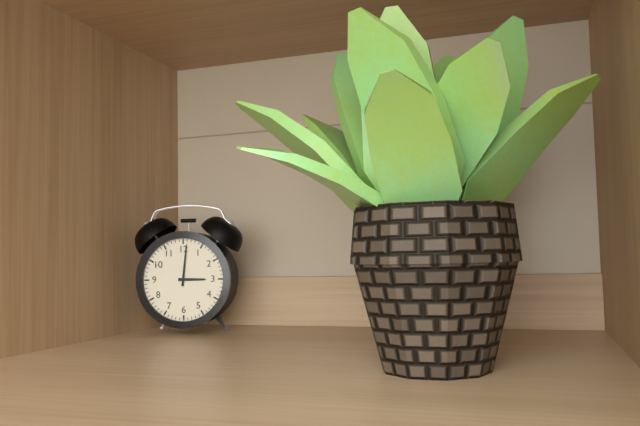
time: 3:01
